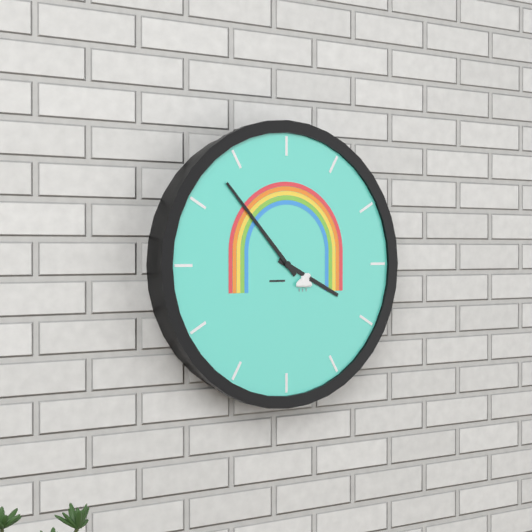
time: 3:53
